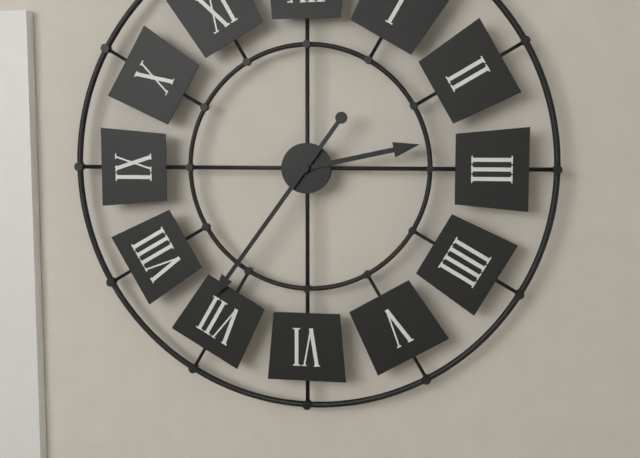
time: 2:36
